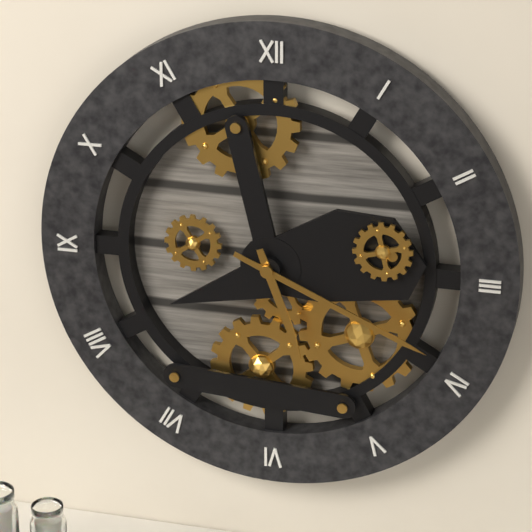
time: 5:19
